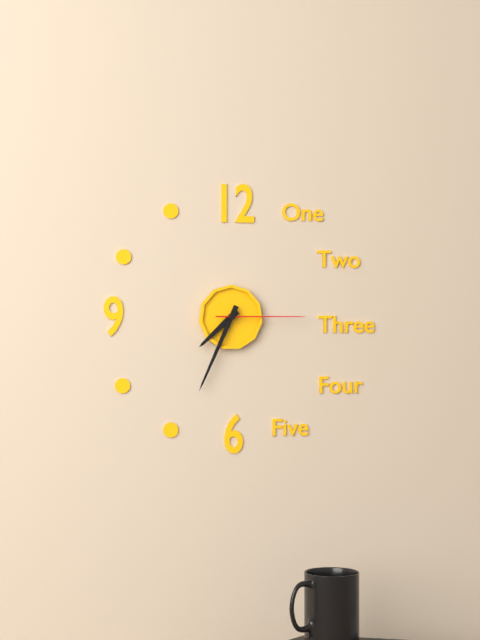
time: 7:34:15
